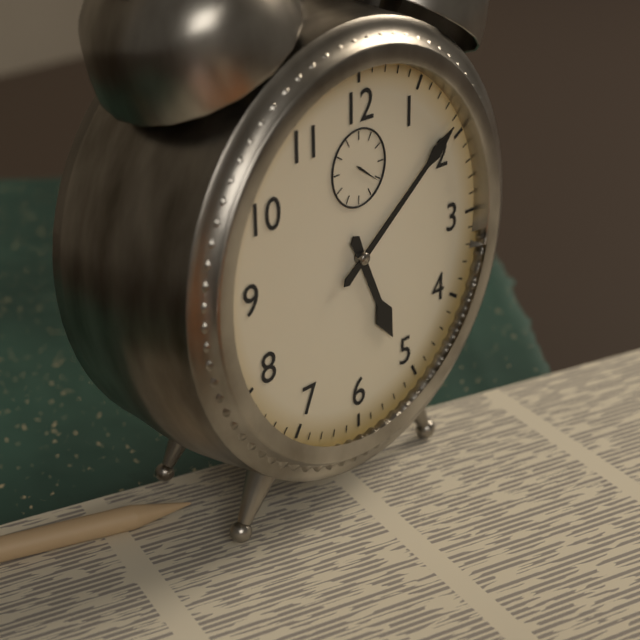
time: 5:09
